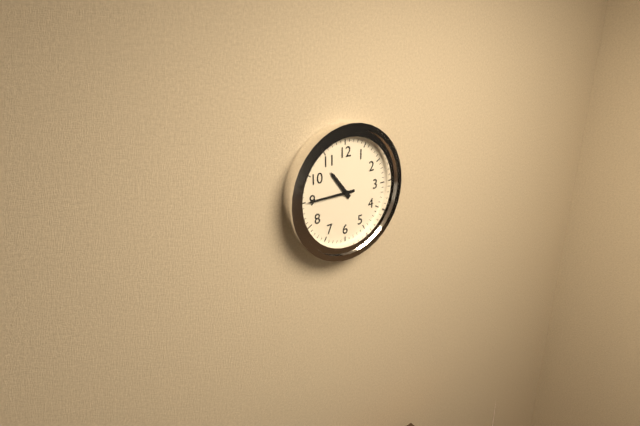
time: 10:45
